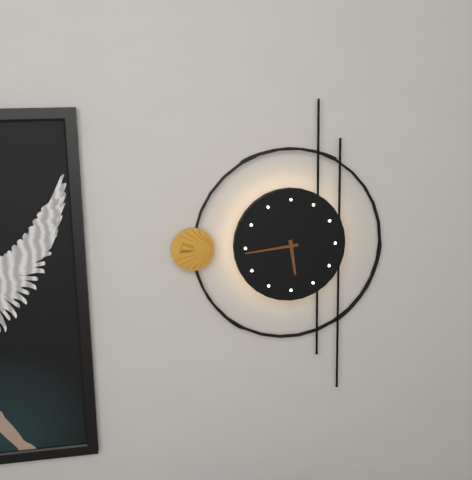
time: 5:44
